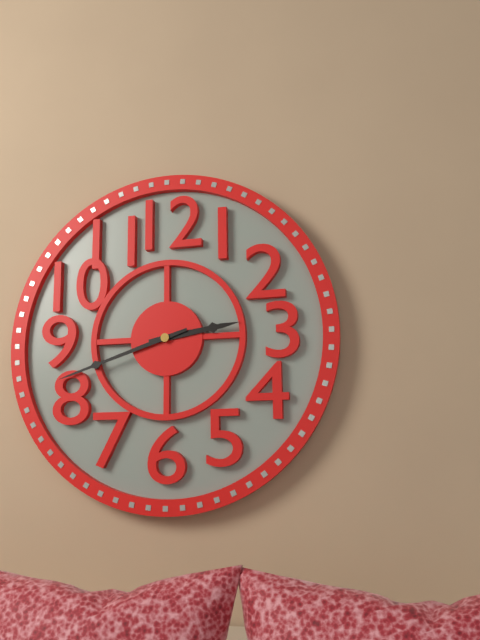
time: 2:42
